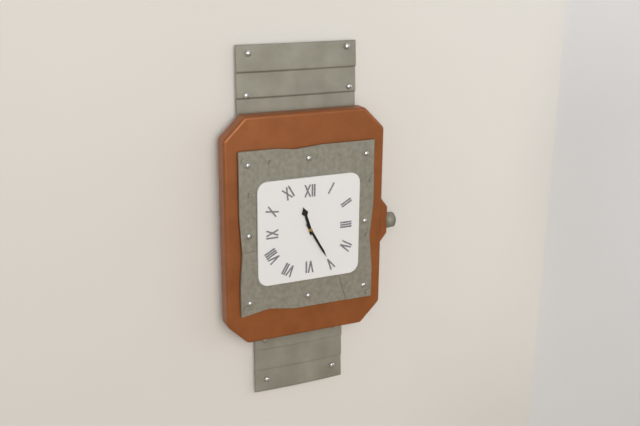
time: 11:25
